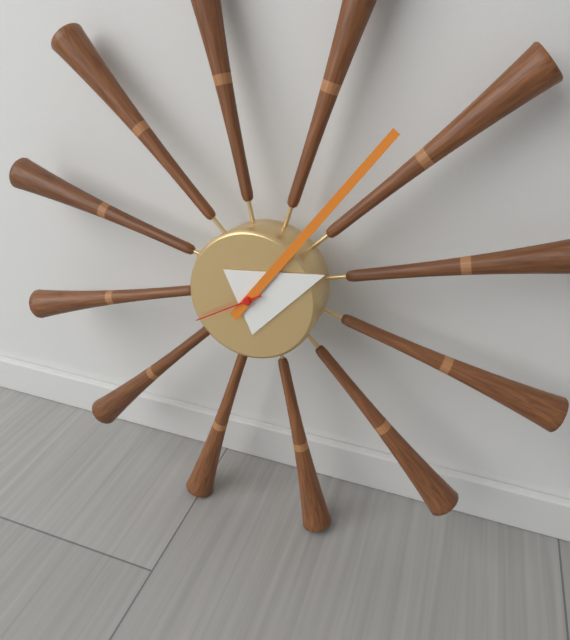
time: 2:06:40
